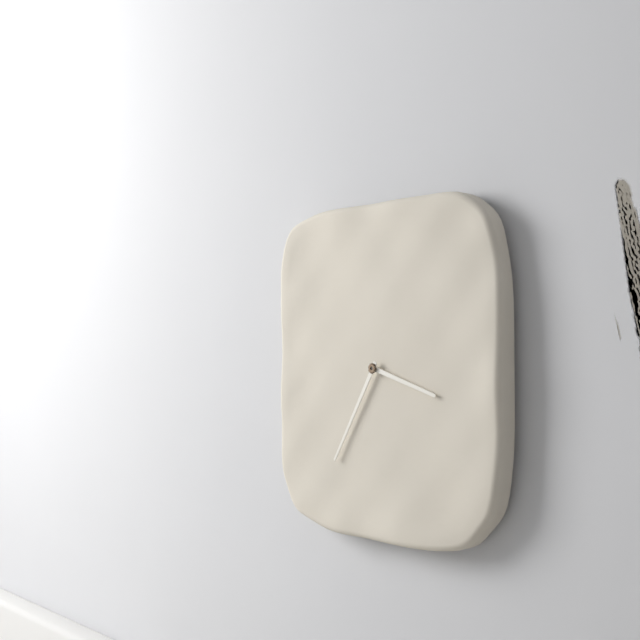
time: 3:35
